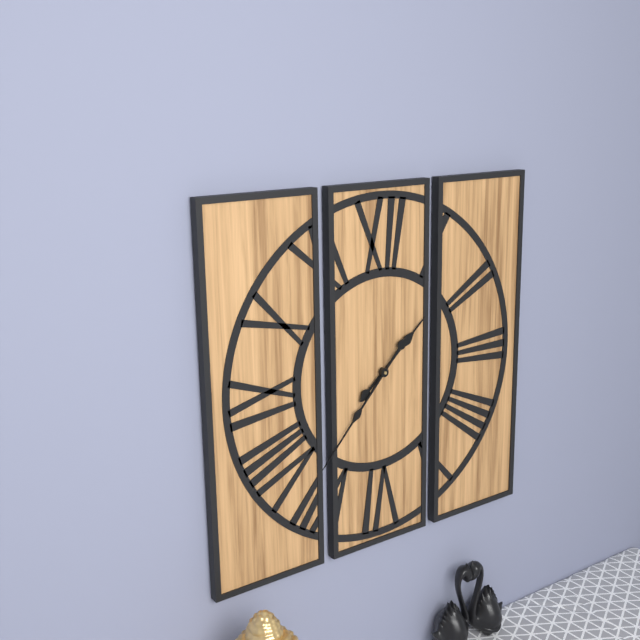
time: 1:37
